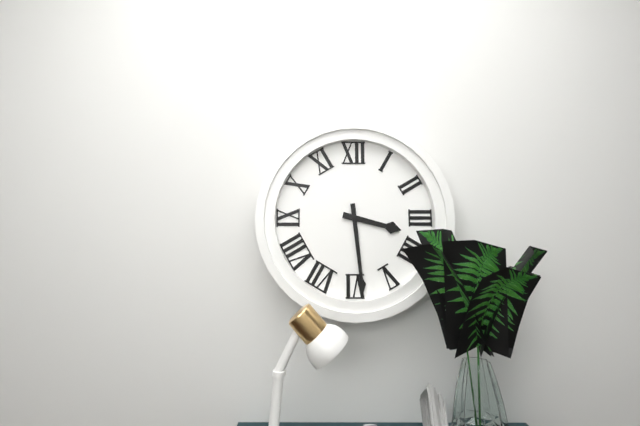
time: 3:29
